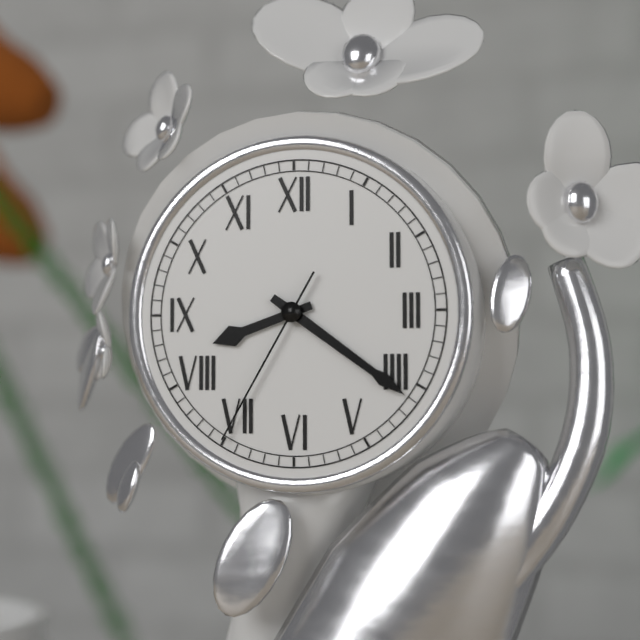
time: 8:21:35
